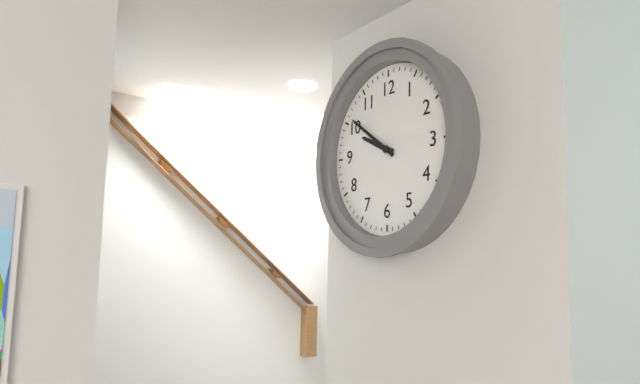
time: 9:51
